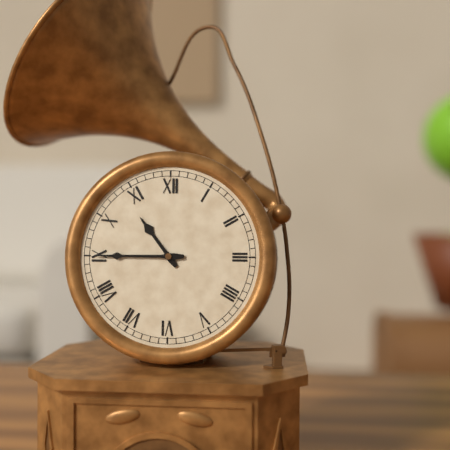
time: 10:45
